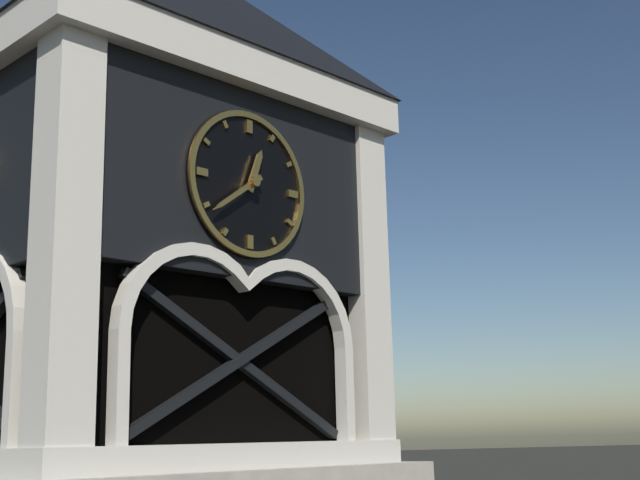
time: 12:39
